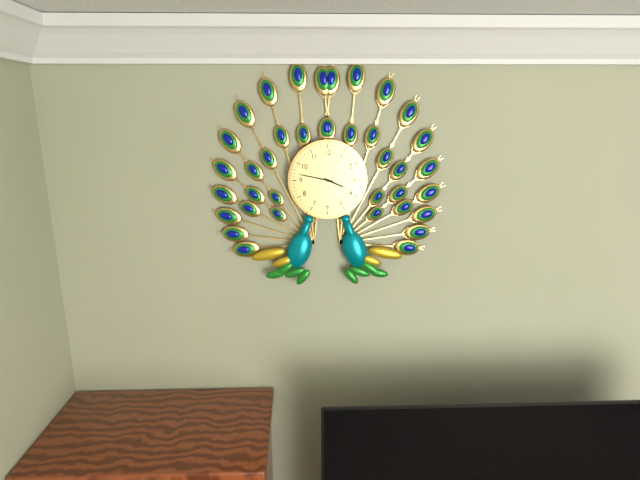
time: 3:47
